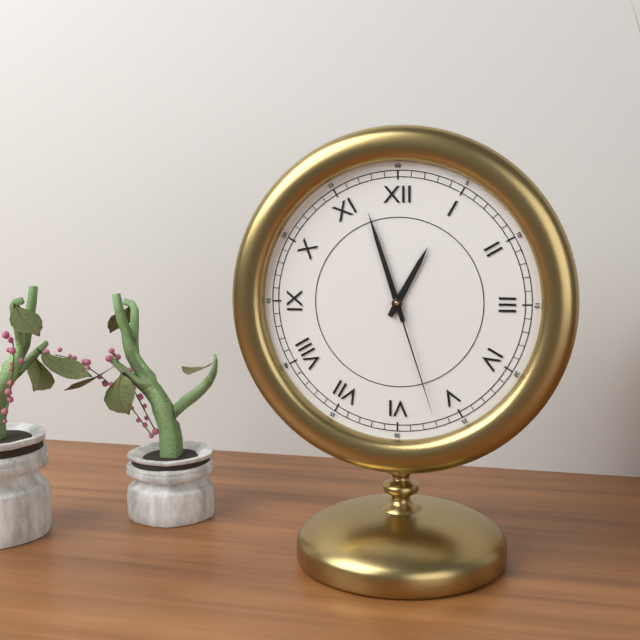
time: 12:57:27
